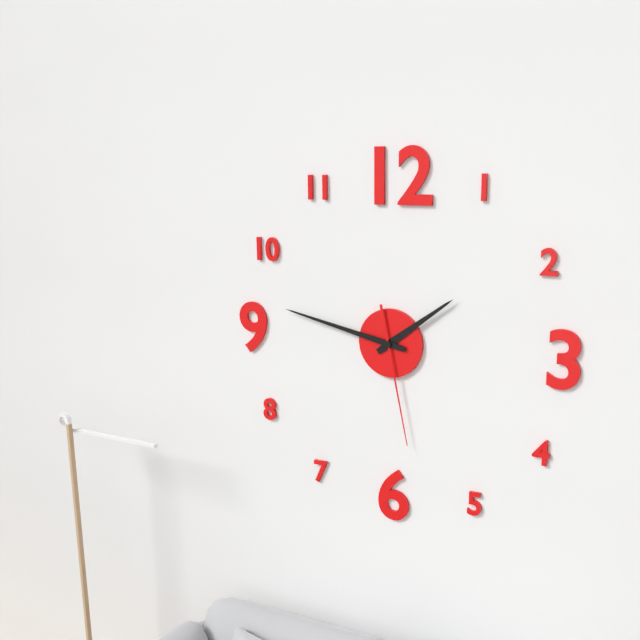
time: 1:47:28
